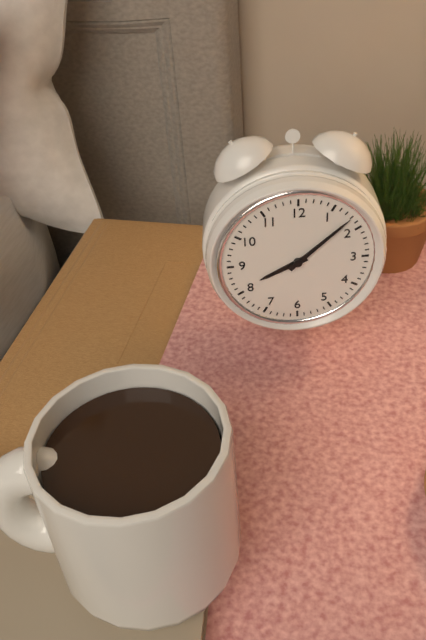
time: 8:08
